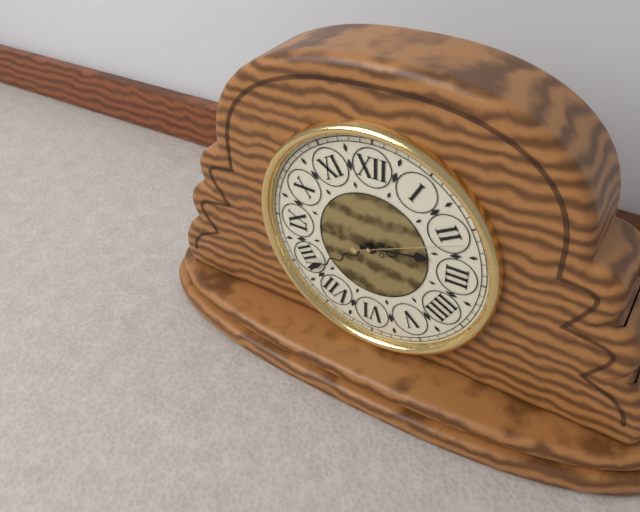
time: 2:39:11
